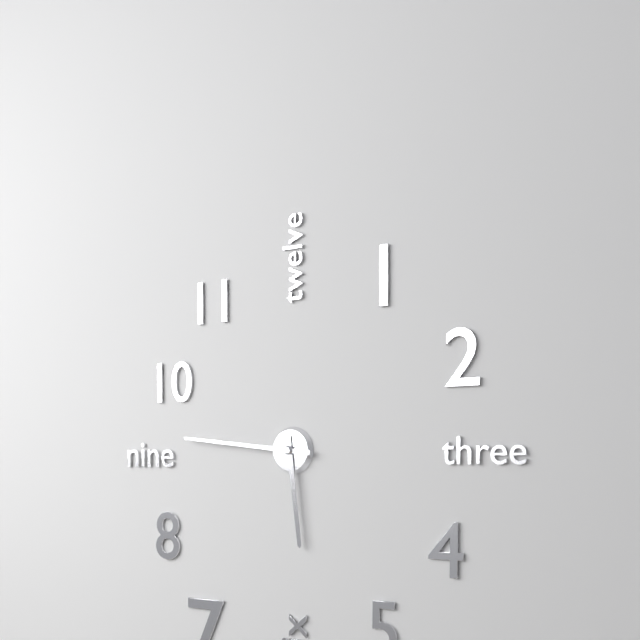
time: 5:46
